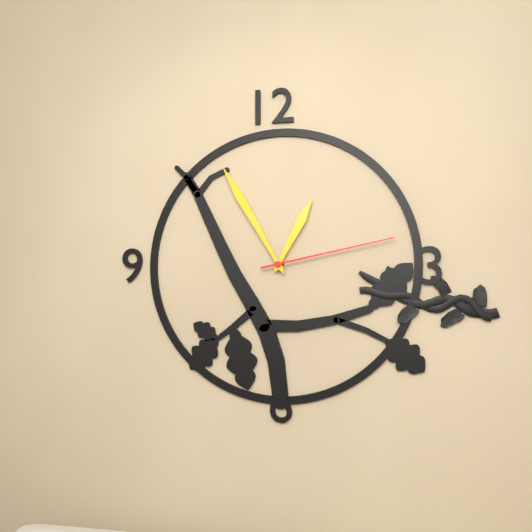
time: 12:55:13
